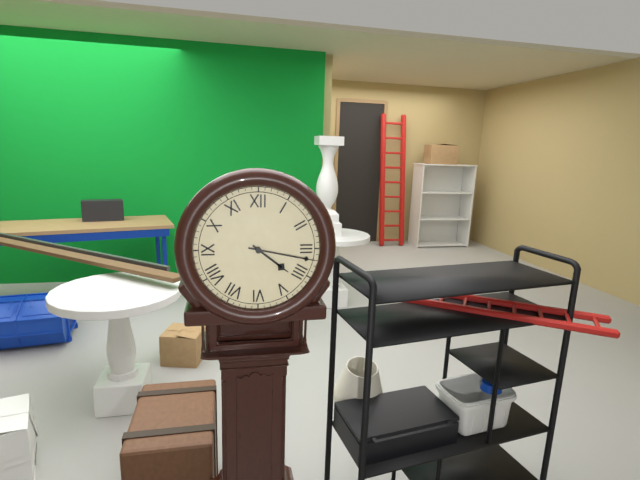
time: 4:17
